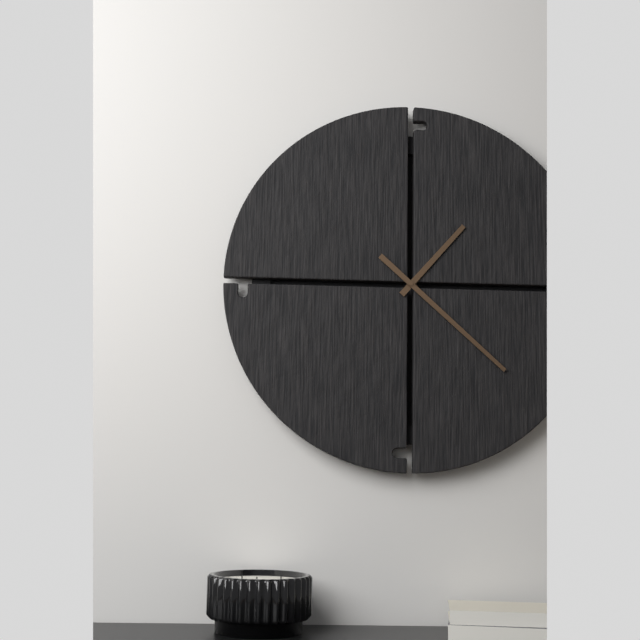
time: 1:22
